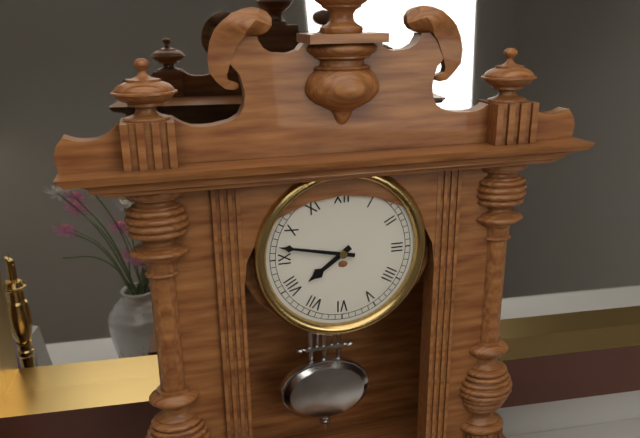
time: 7:47
